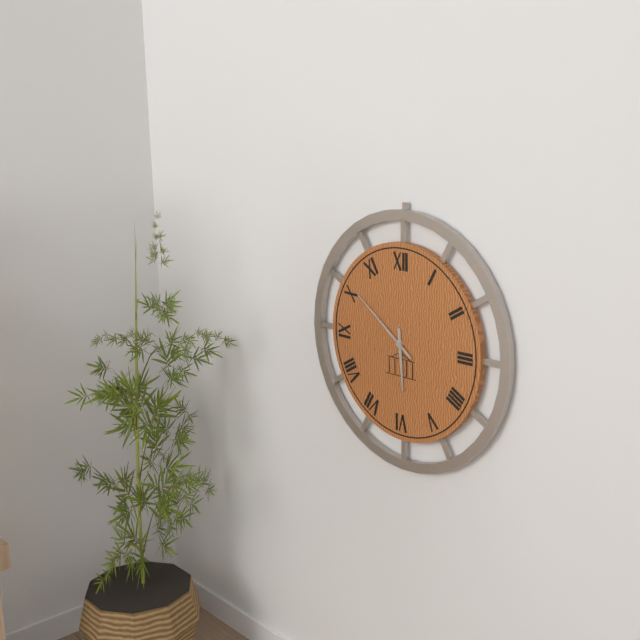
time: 5:51
